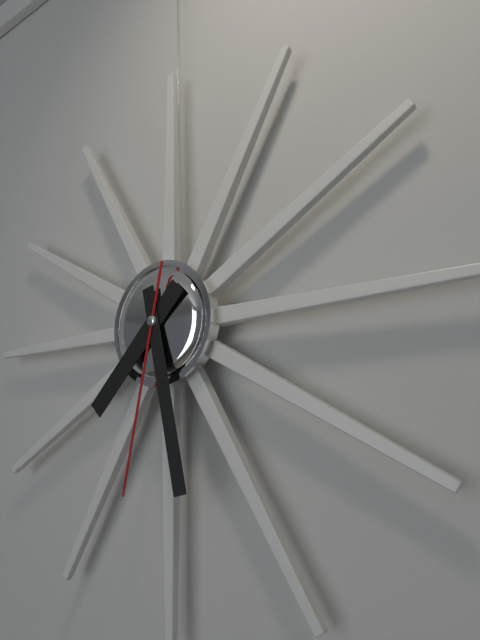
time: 7:28:32
